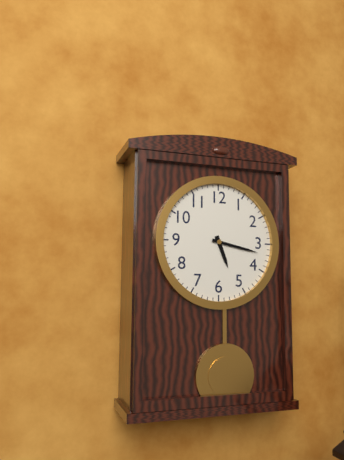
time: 5:17
